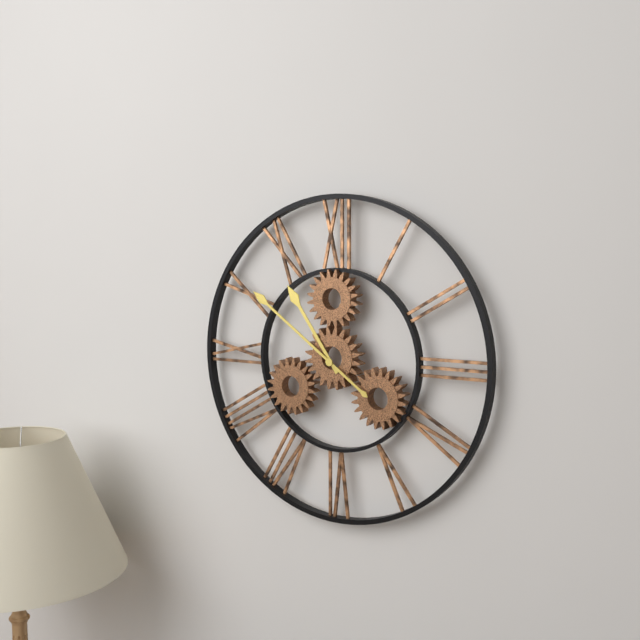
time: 10:51
